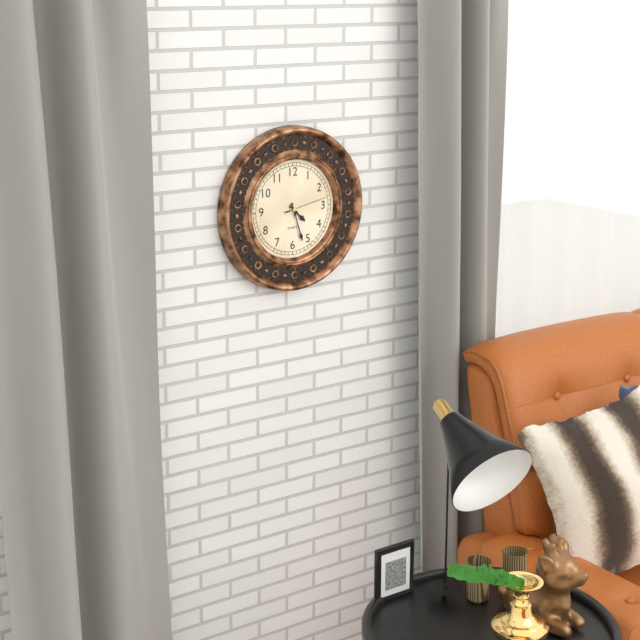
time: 4:27
